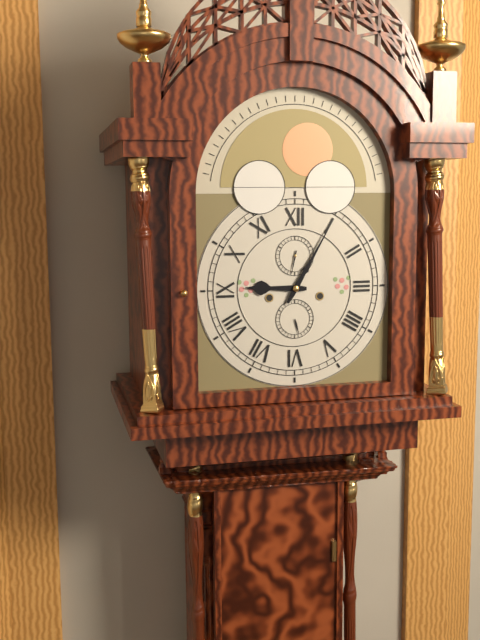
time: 9:05
